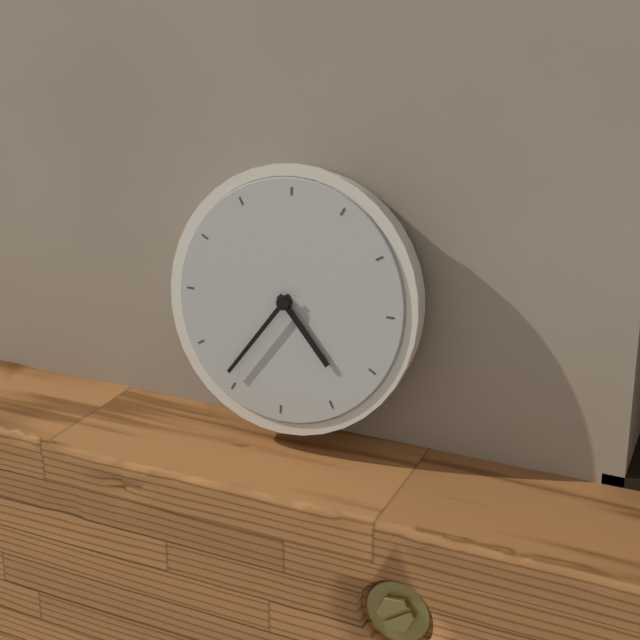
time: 4:36
